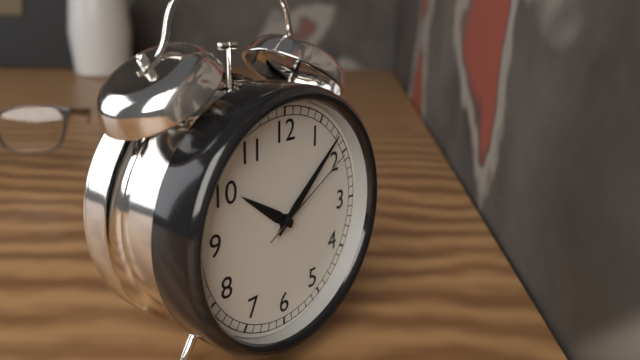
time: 10:08:10
